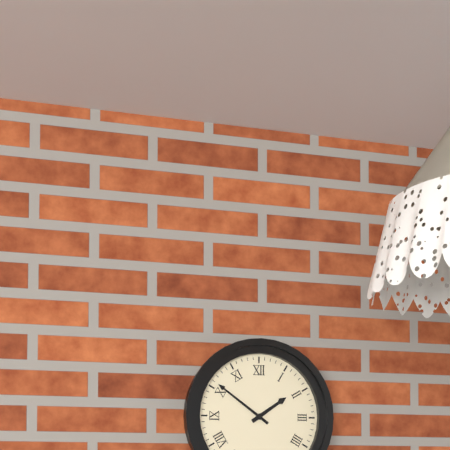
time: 1:51
